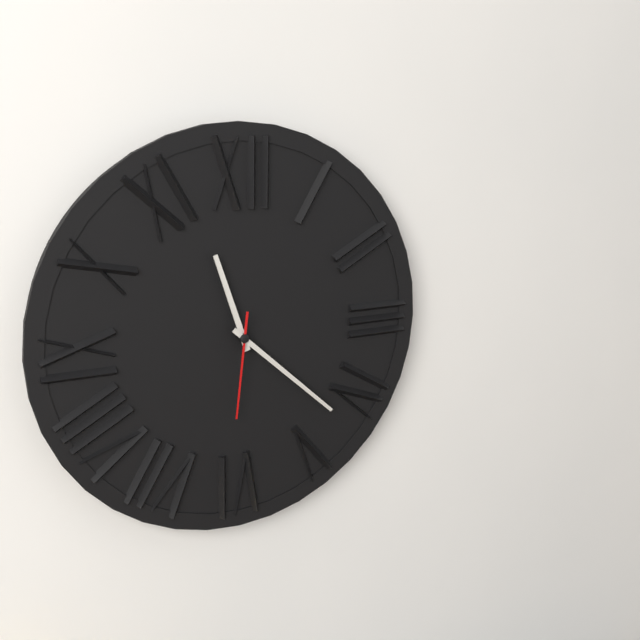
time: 11:22:31
